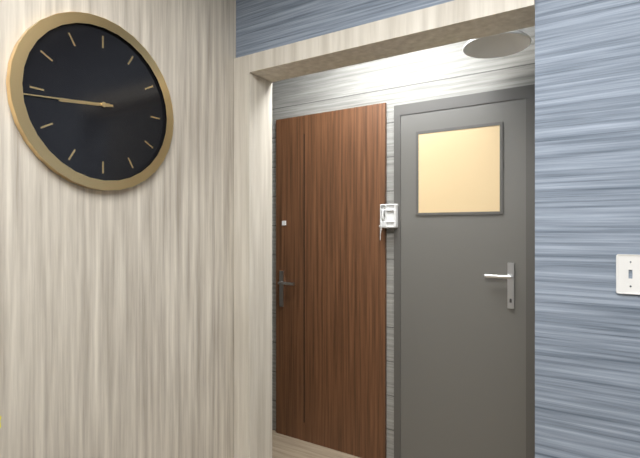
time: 8:44
